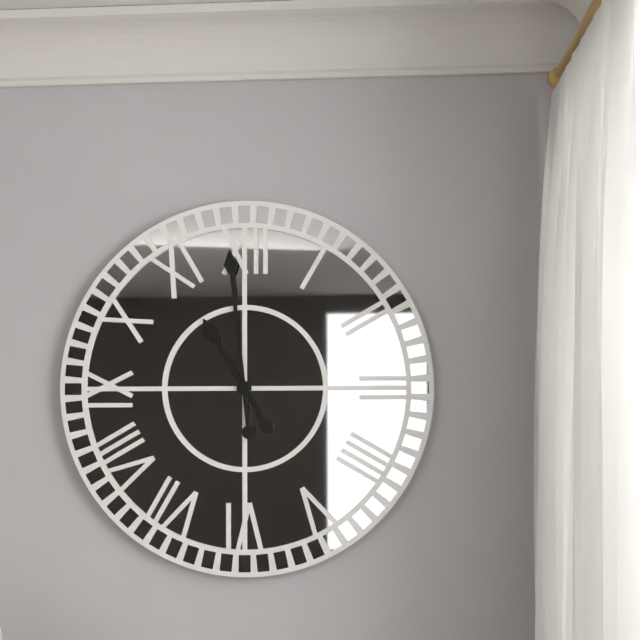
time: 10:59
